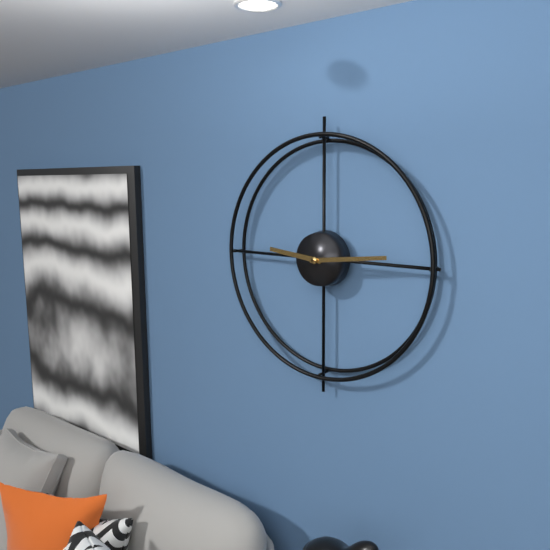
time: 9:14
